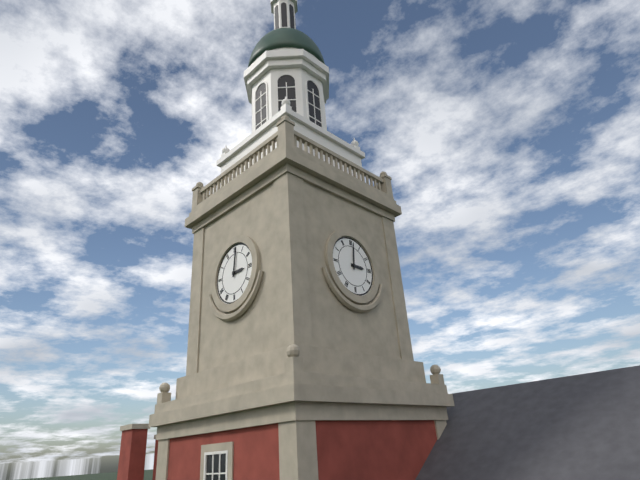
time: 3:01
